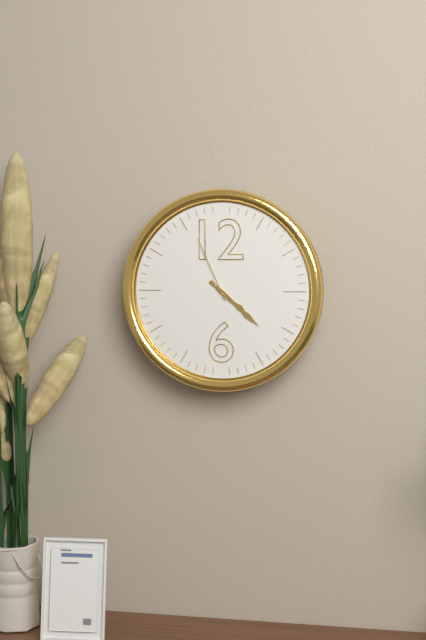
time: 4:22:56
